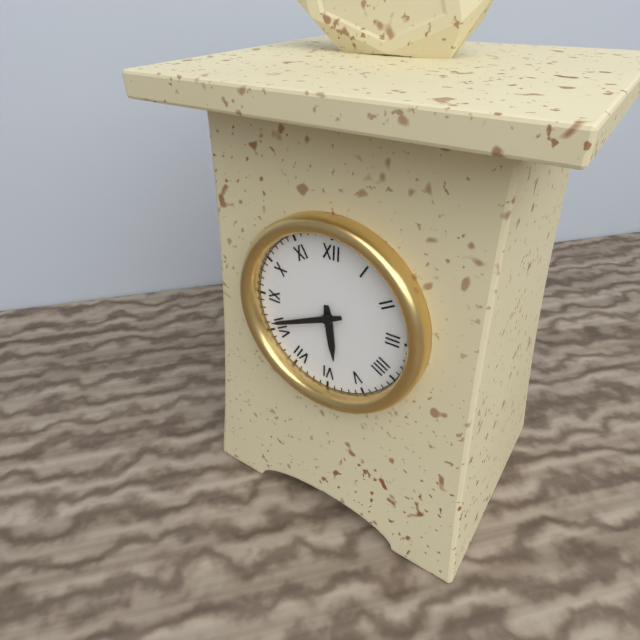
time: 5:41
